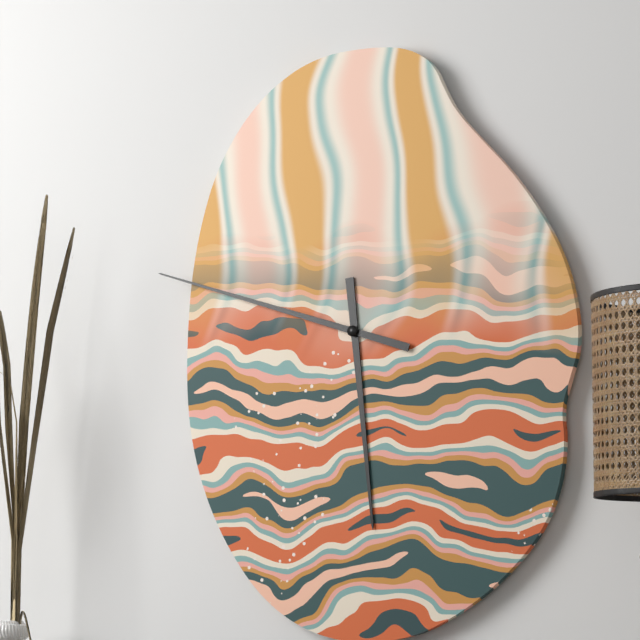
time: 5:48
